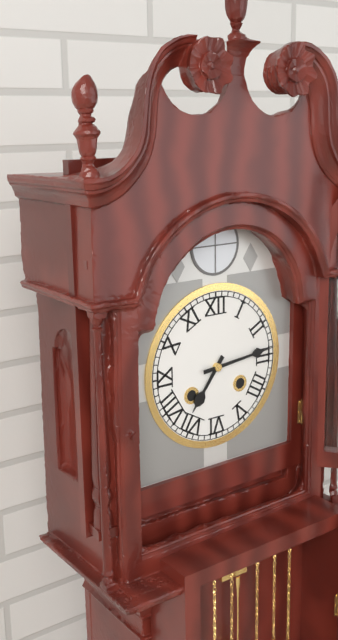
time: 7:14
